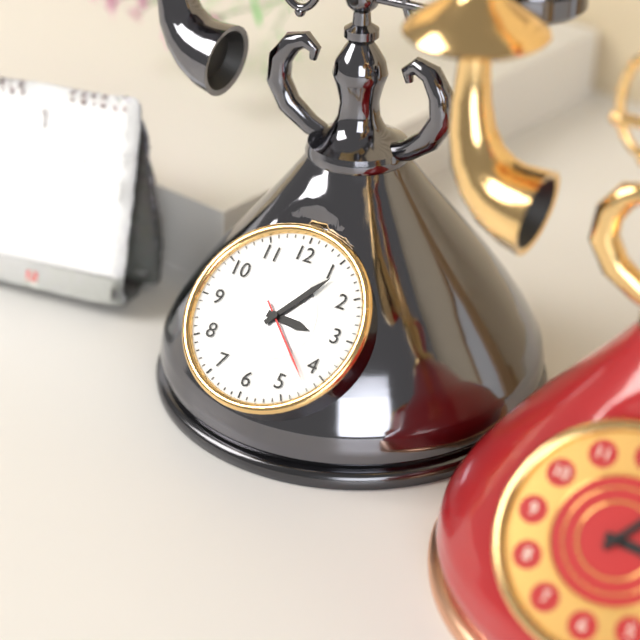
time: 3:06:22
